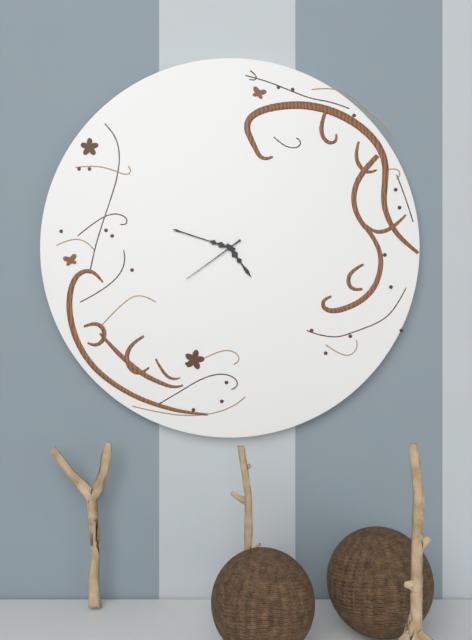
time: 4:48:39
